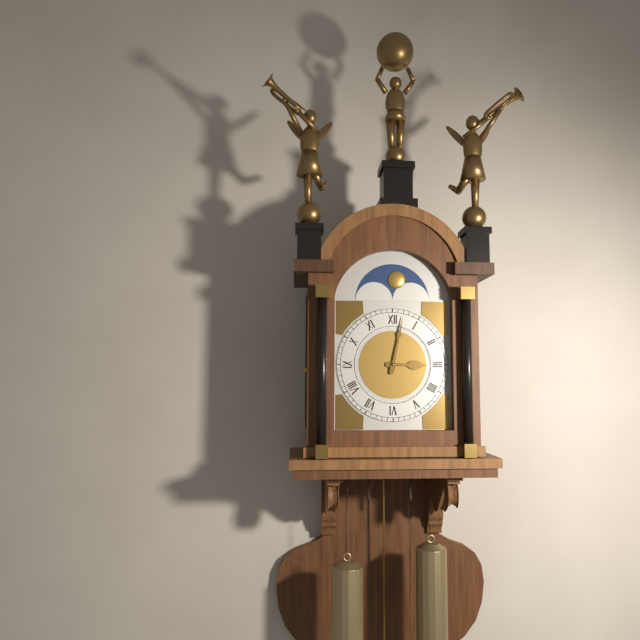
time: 3:02
